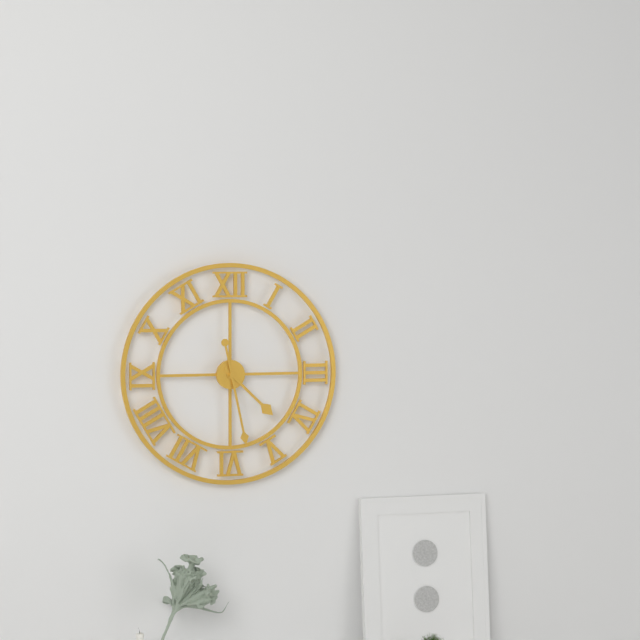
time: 4:28
